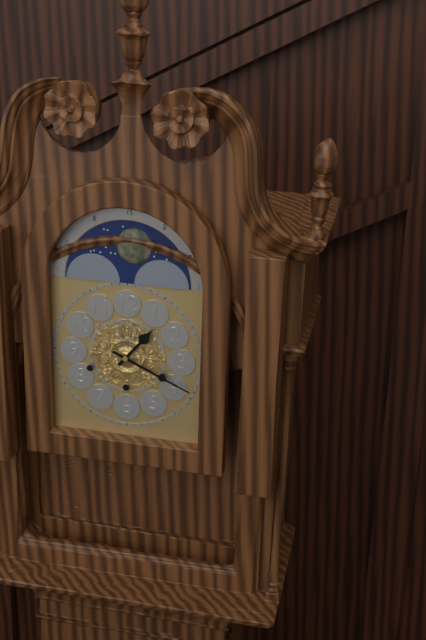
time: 1:19
